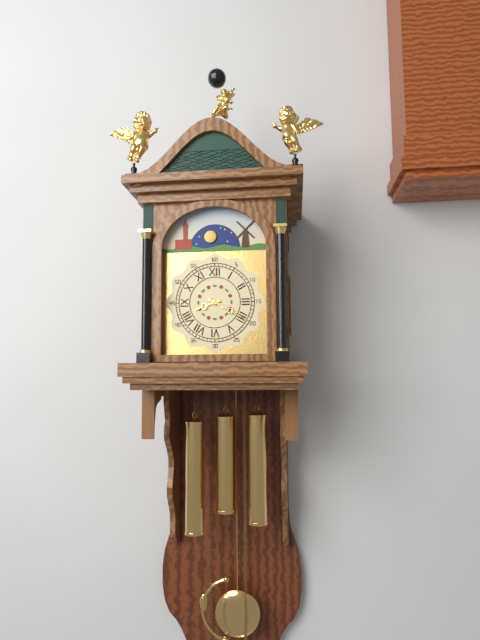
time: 8:20
